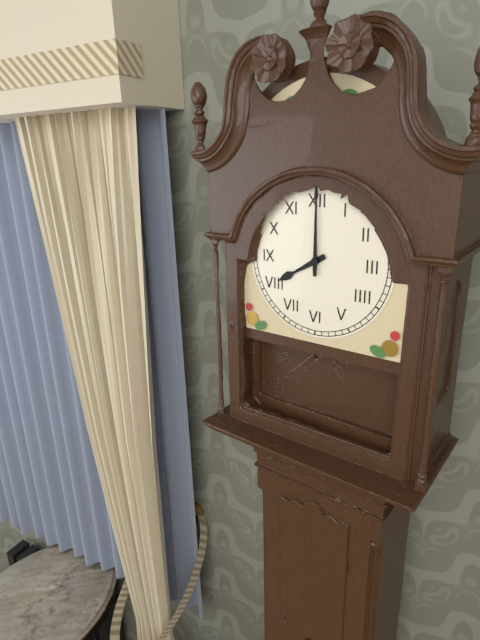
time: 8:00
